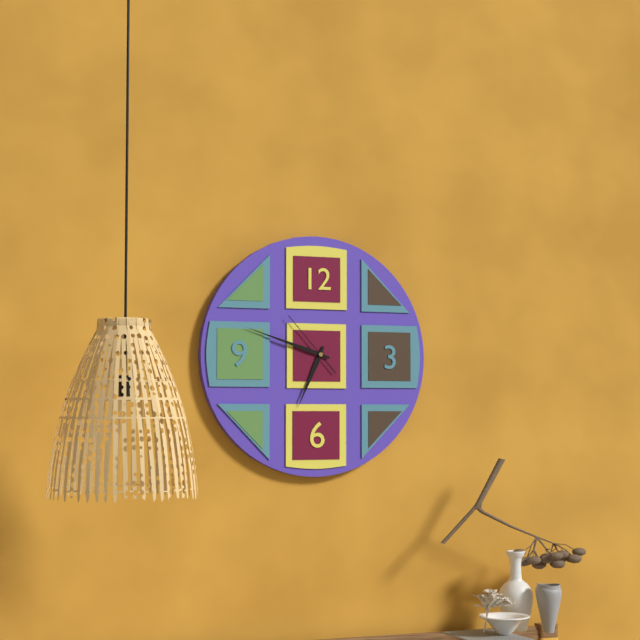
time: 6:48:53
